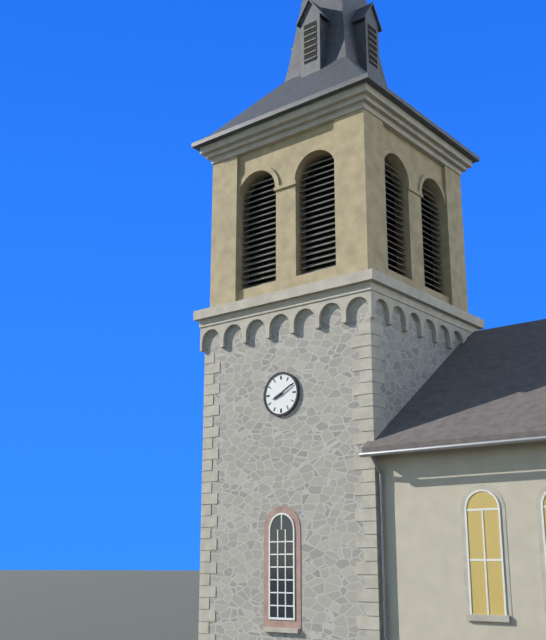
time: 8:10
